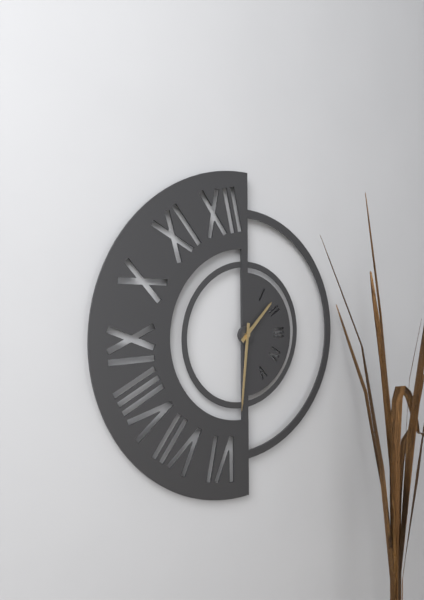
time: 1:31
